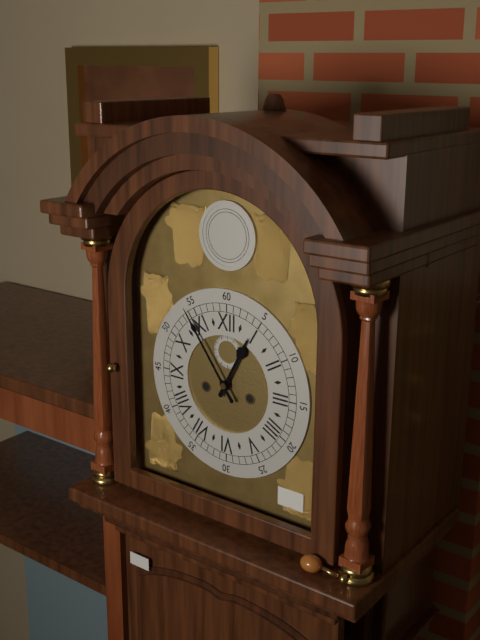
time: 12:54
